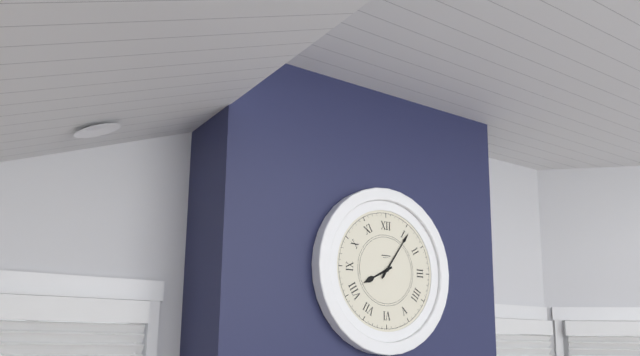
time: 8:06
